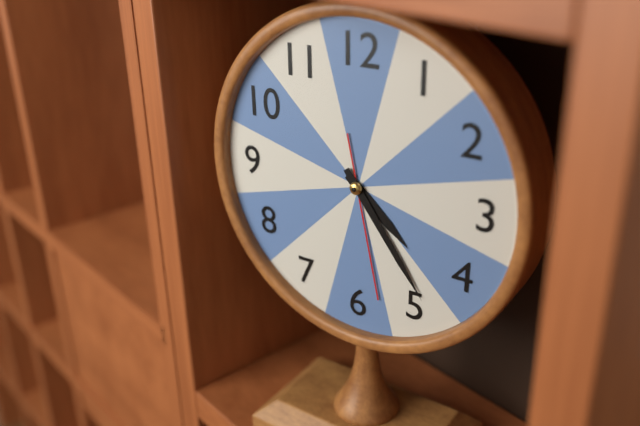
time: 4:24:28
